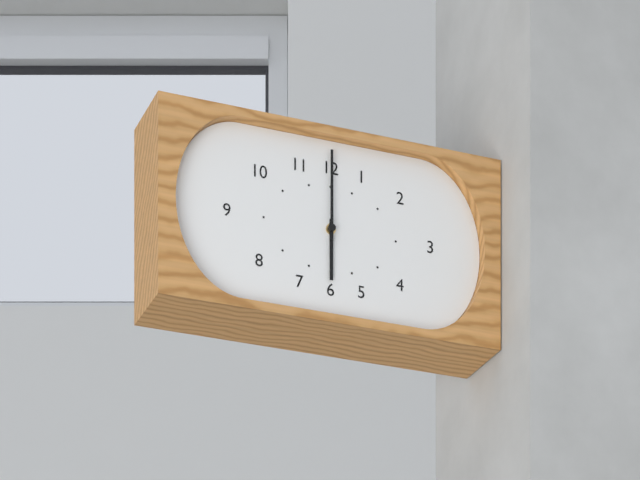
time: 6:00
